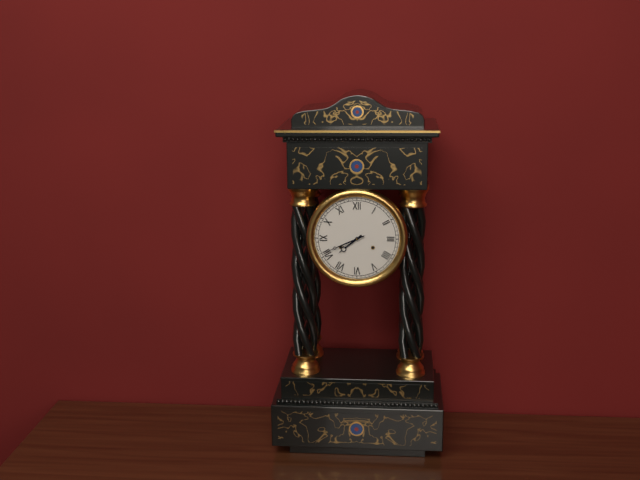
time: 7:41
